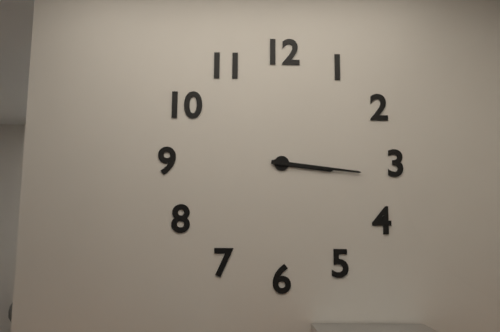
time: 3:16
